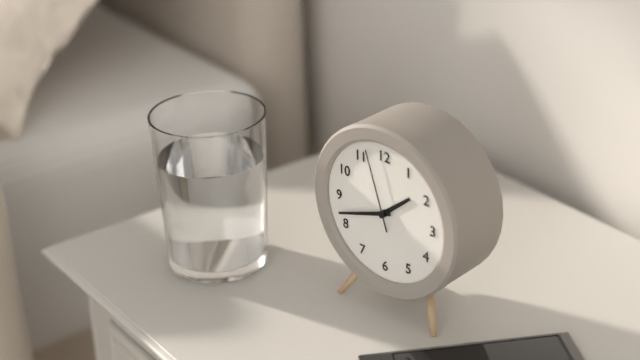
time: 1:42:57
